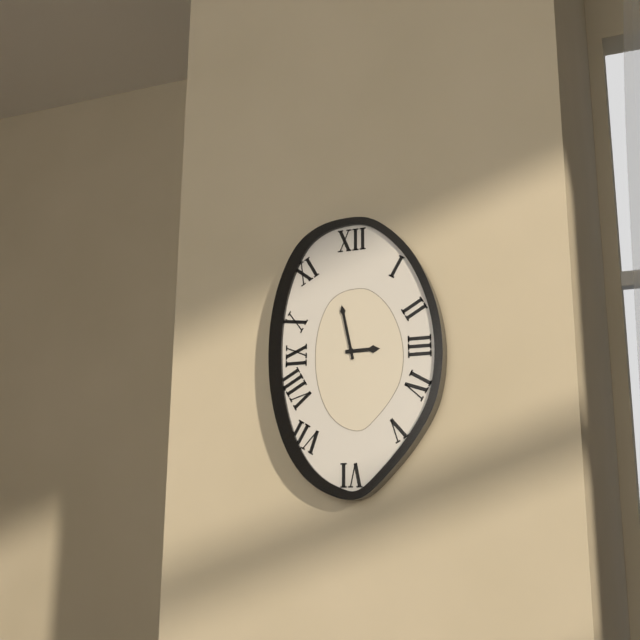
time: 2:58
